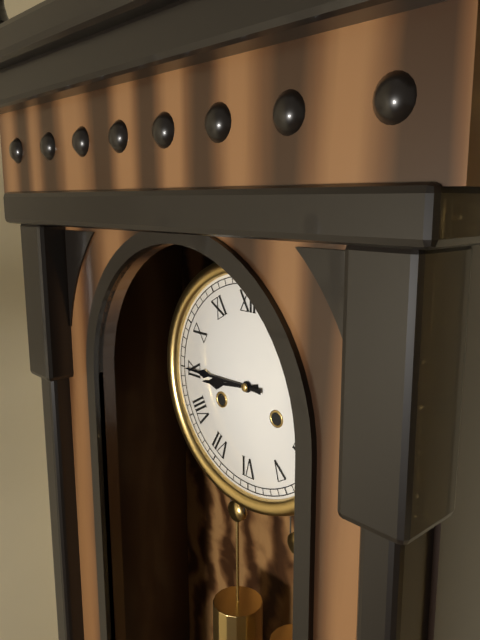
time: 8:45
